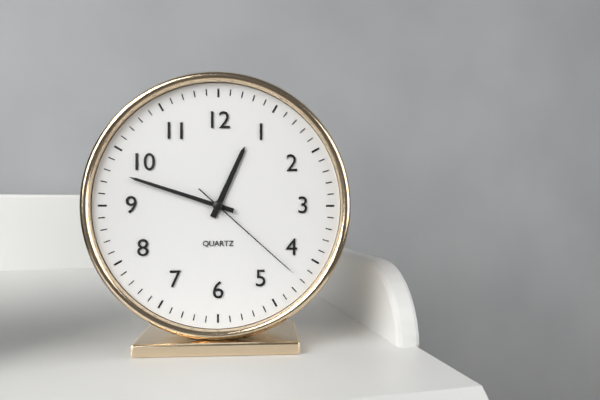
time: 12:48:22
